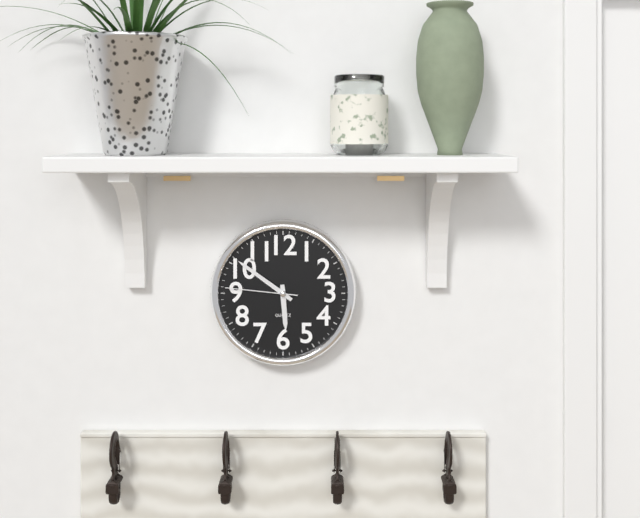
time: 5:51:46
